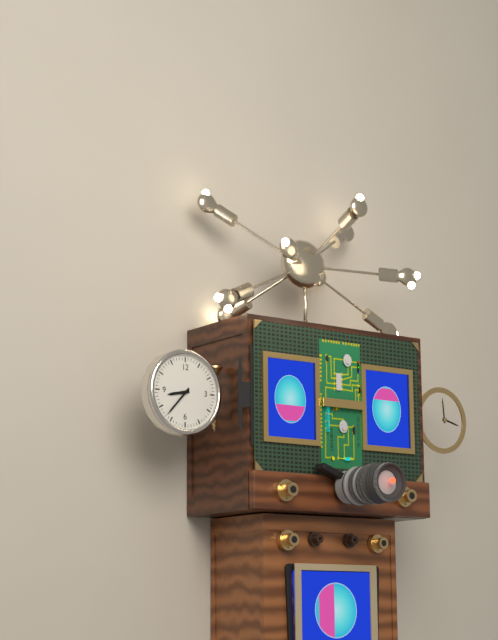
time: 8:37
